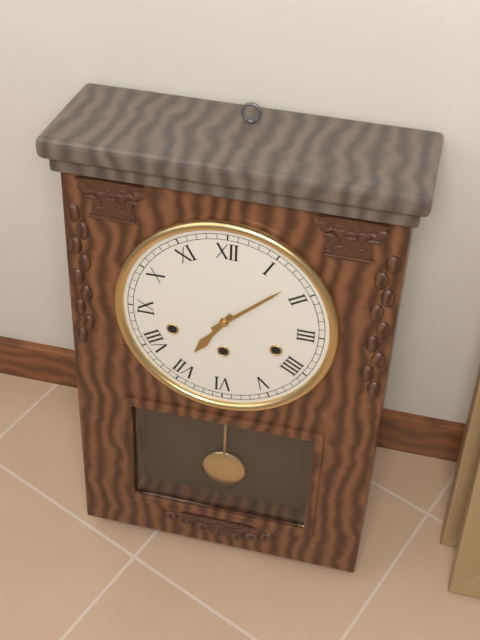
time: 7:08
